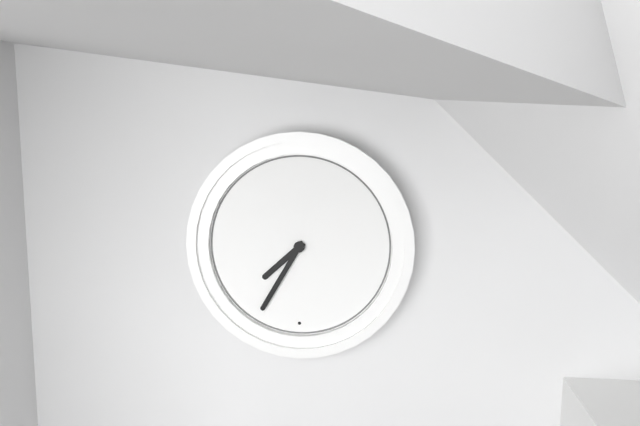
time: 7:35
